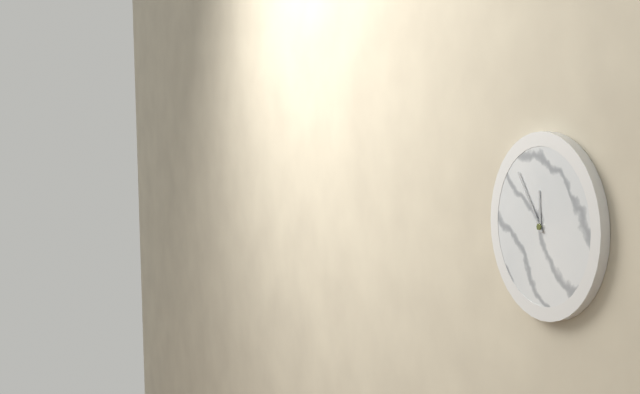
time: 11:54
